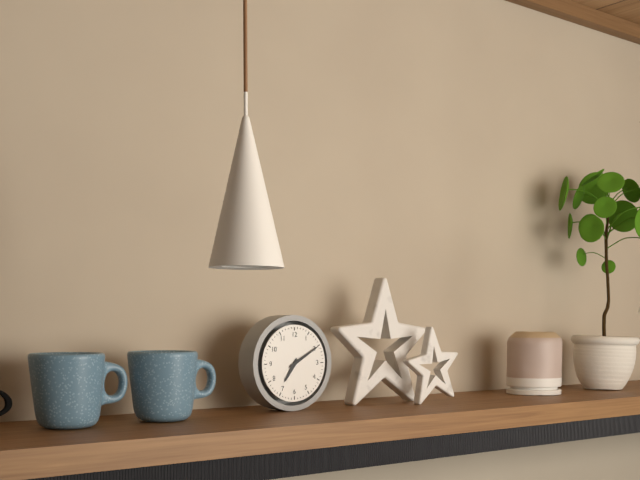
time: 7:10
